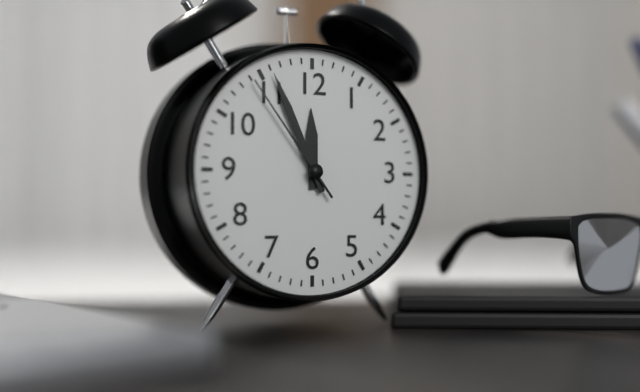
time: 11:56:54
